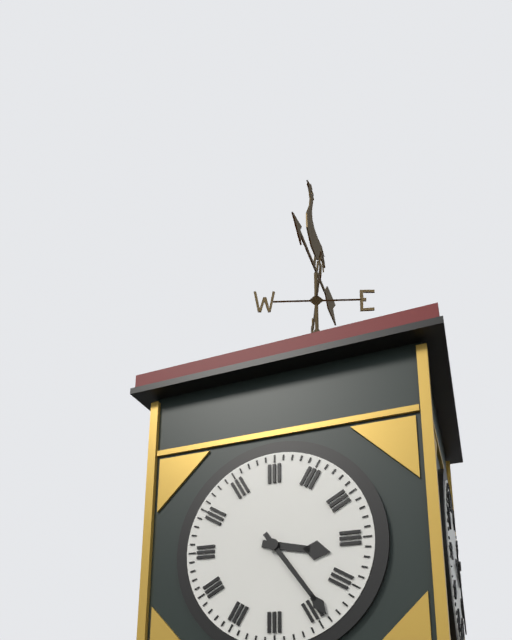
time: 3:24
